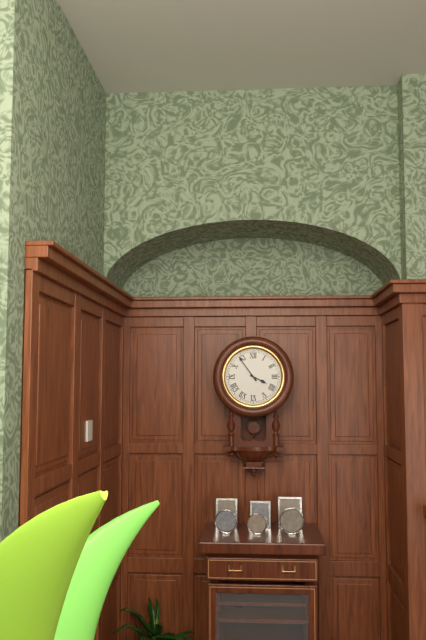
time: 3:54
